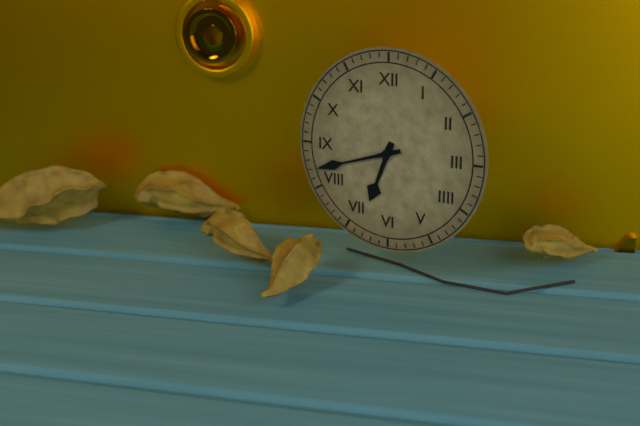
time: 6:42
